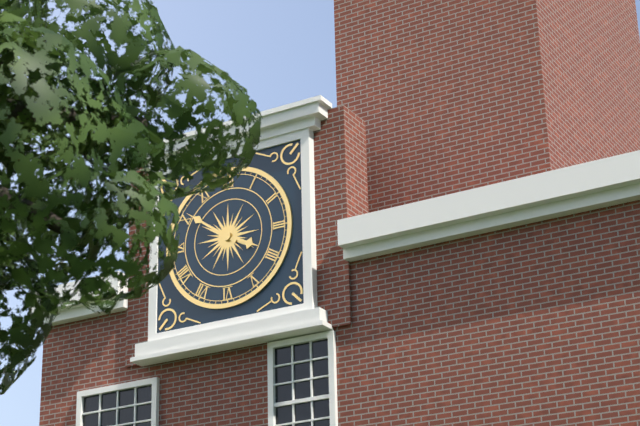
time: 3:51
